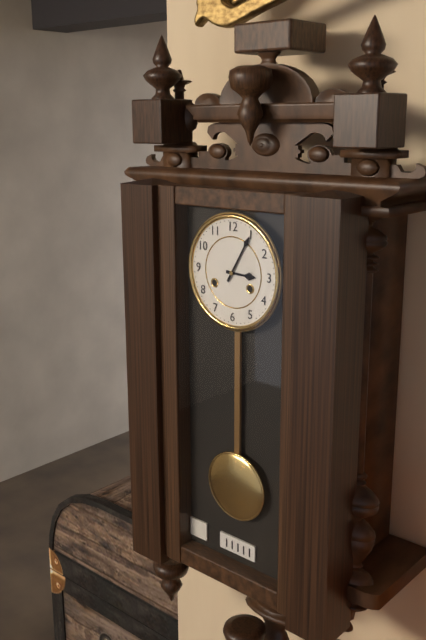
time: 3:05
